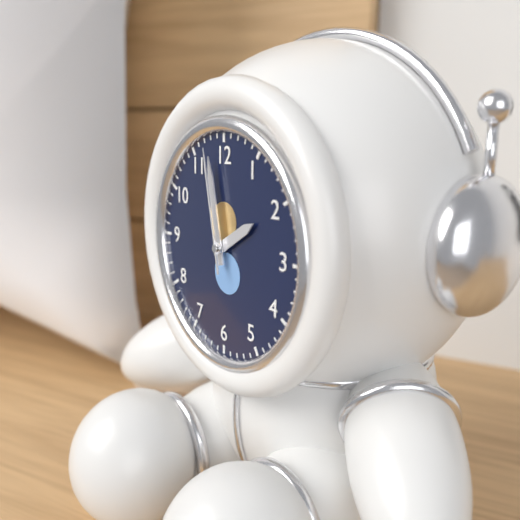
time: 1:58:58
